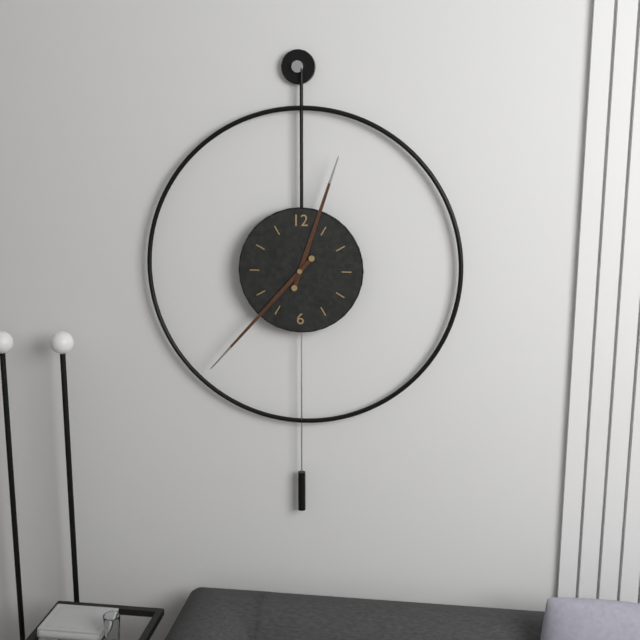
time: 12:37
